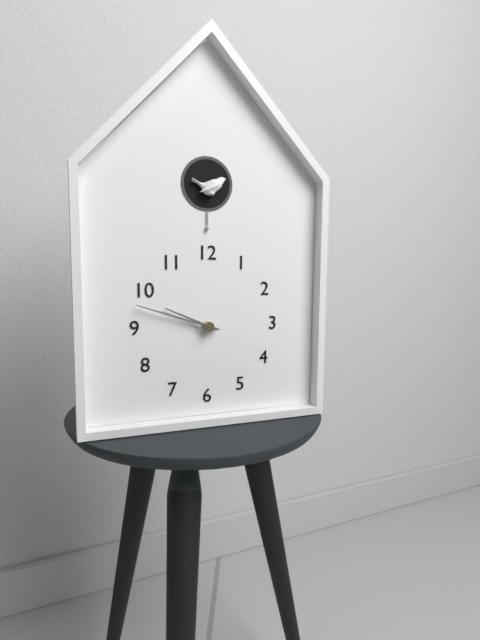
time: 9:48
